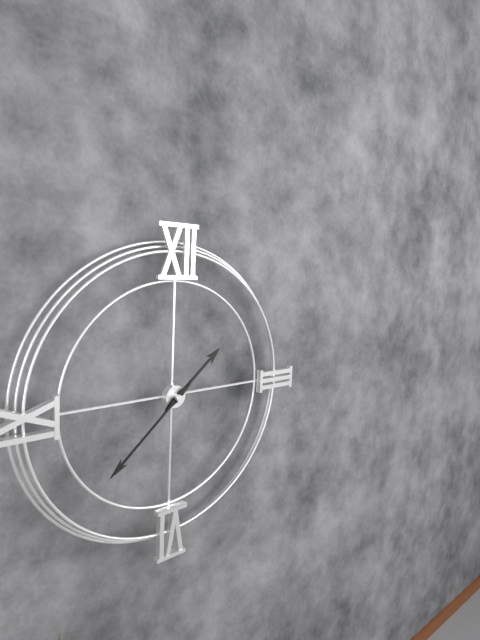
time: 1:38
